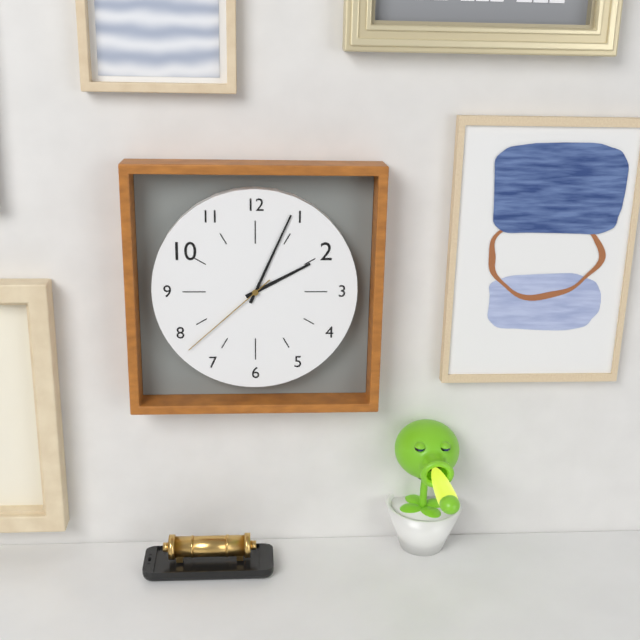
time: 2:04:38
